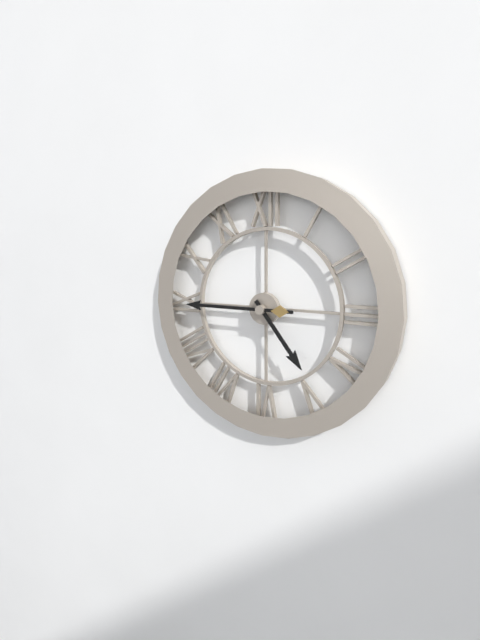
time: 4:45
